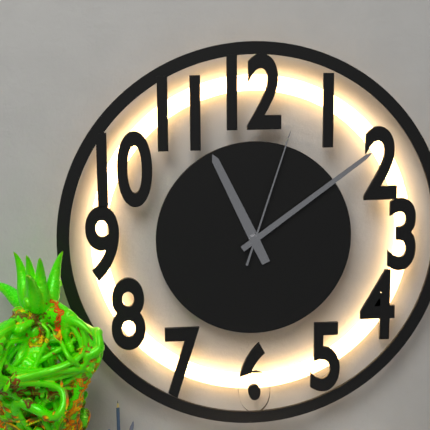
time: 11:09:03
